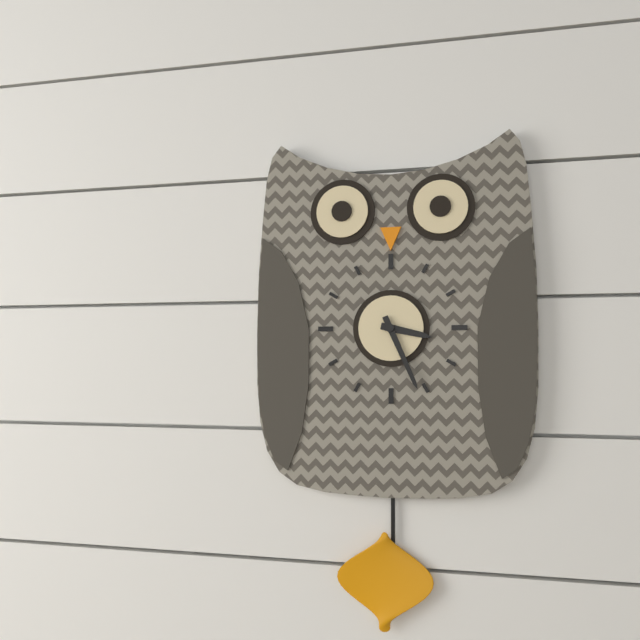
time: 3:26
